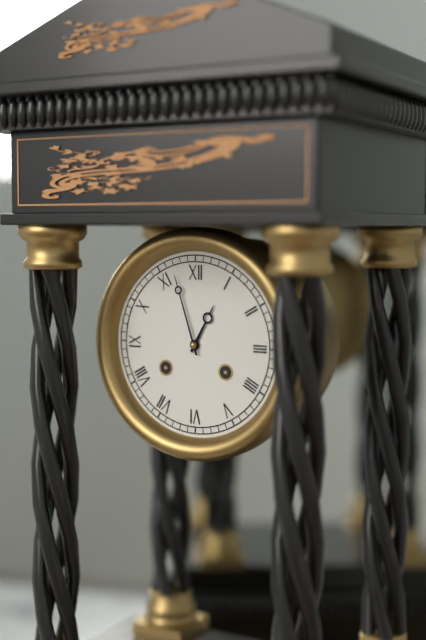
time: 12:57
